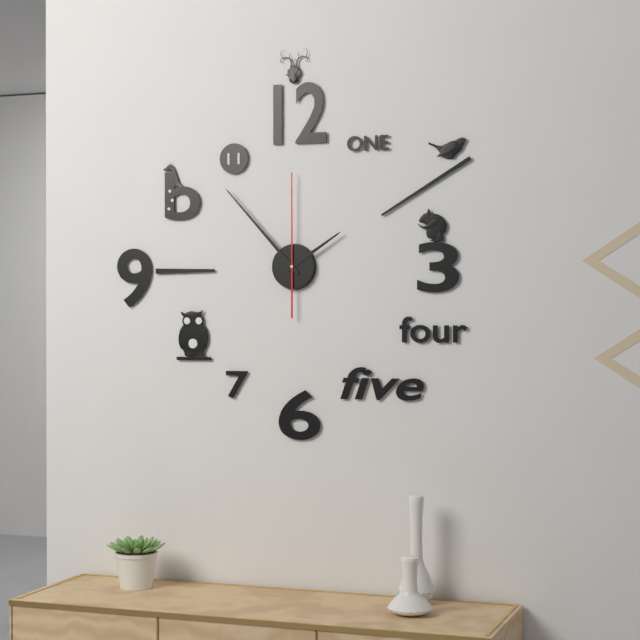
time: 1:53:00
